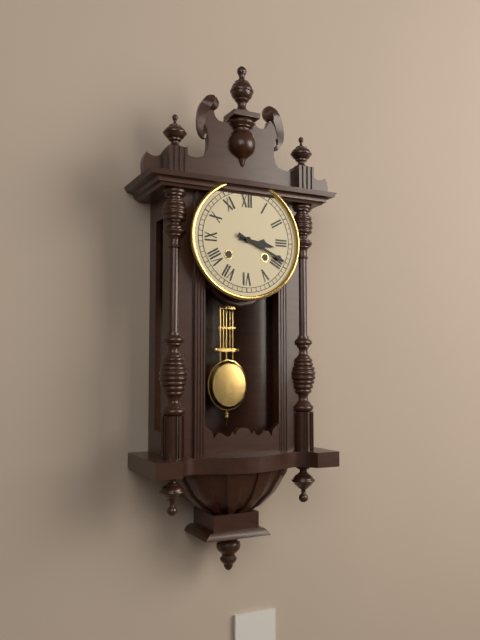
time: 3:19
